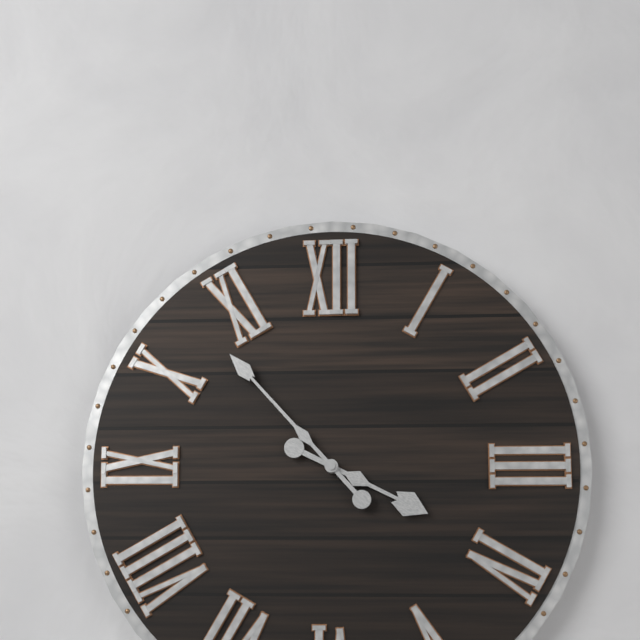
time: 3:53
